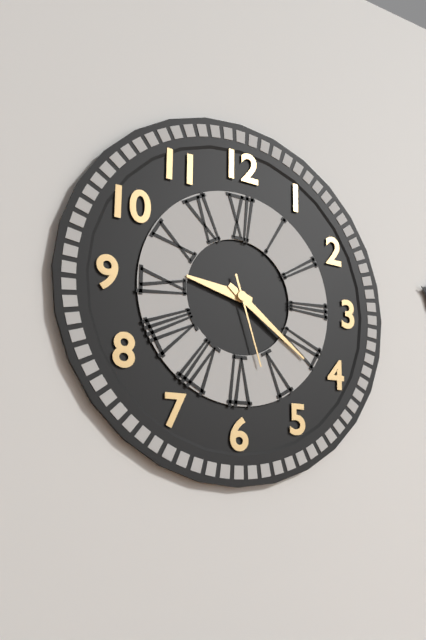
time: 9:21:27
